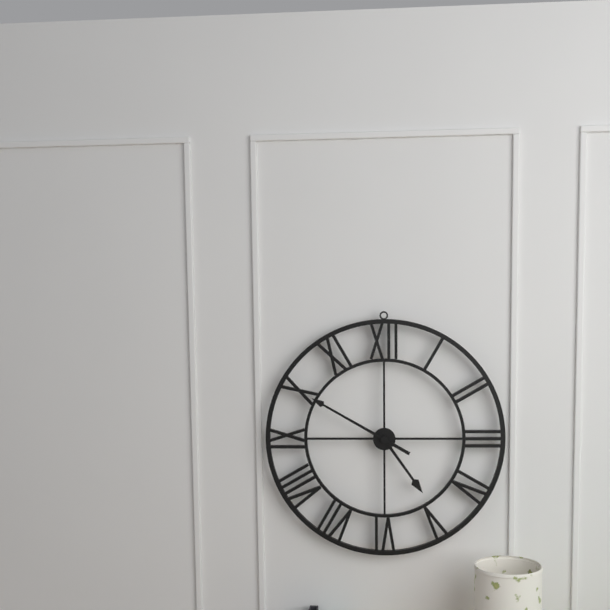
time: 4:50
